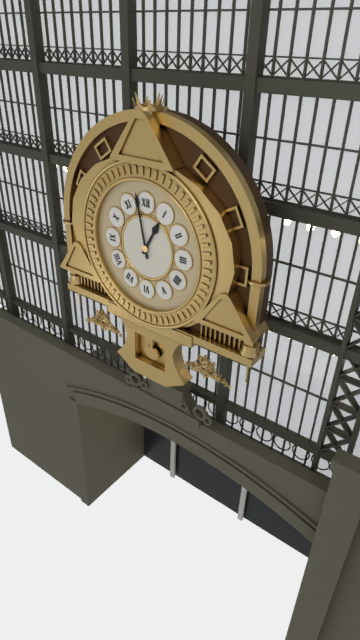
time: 12:58
